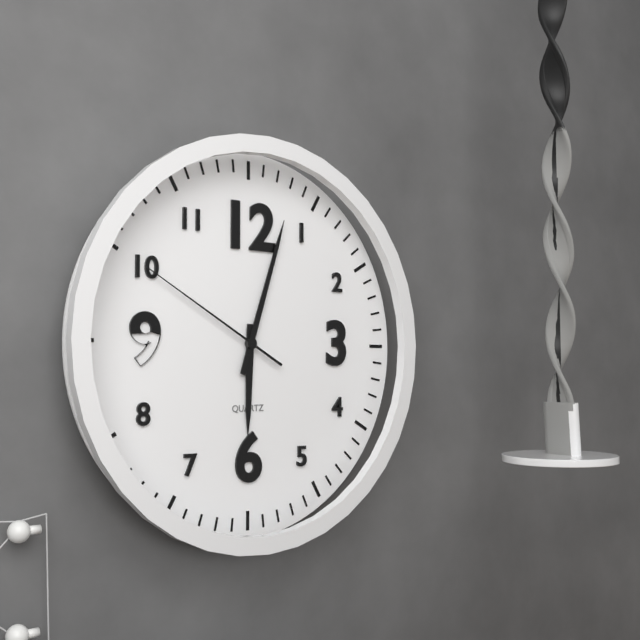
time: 6:03:50
